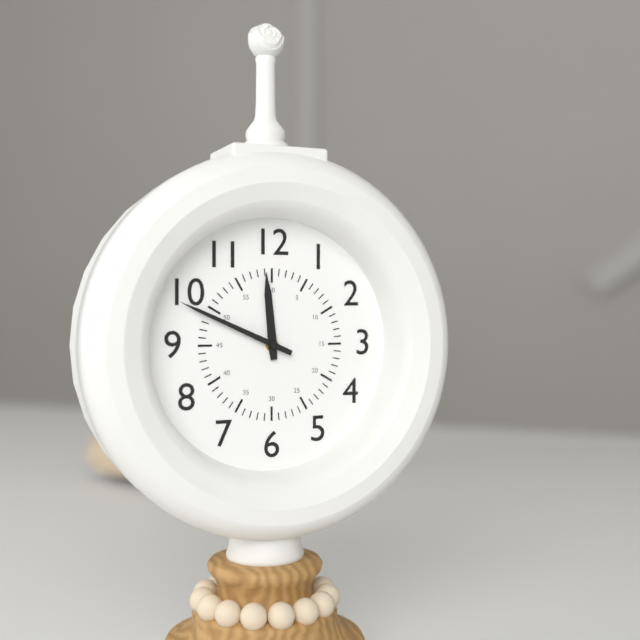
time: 11:49
